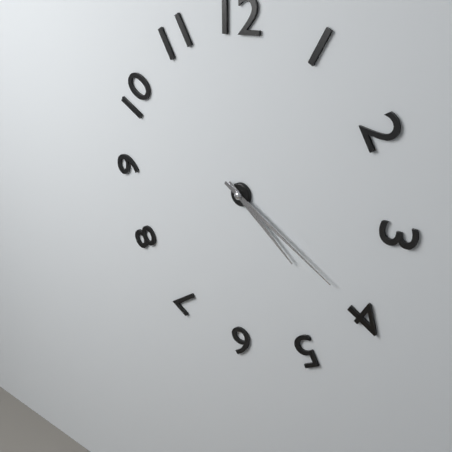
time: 4:20
